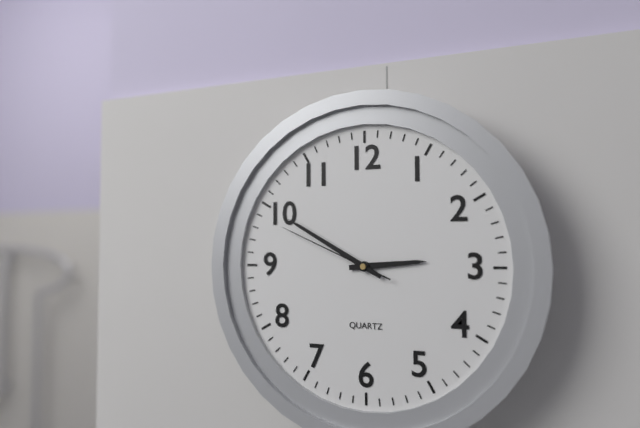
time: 2:50:49
